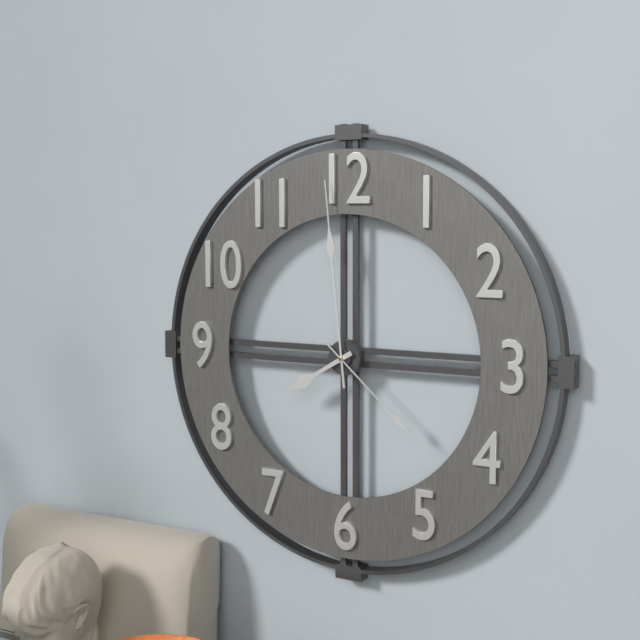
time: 7:59:22
